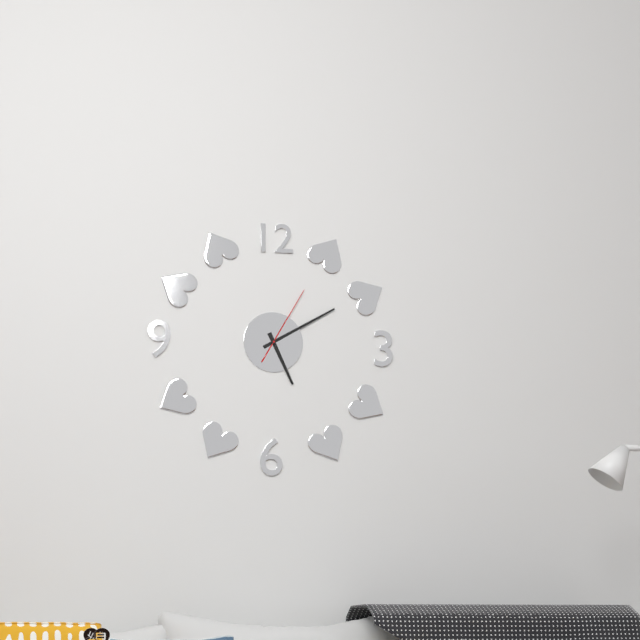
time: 5:10:05
